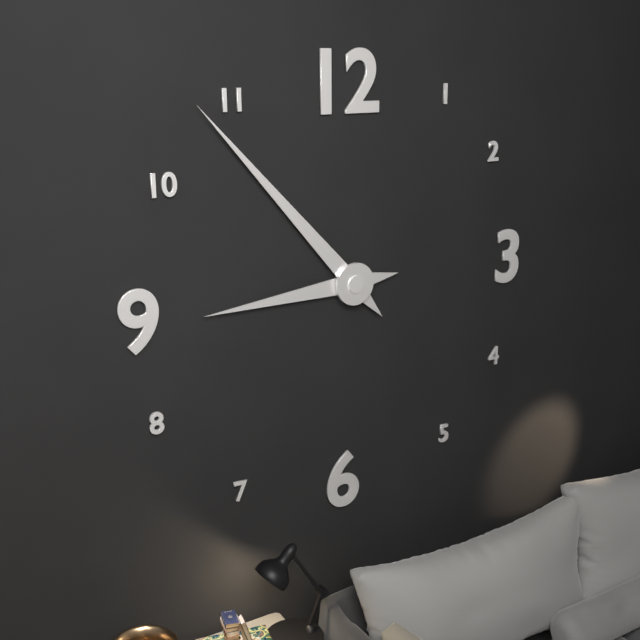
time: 8:53
